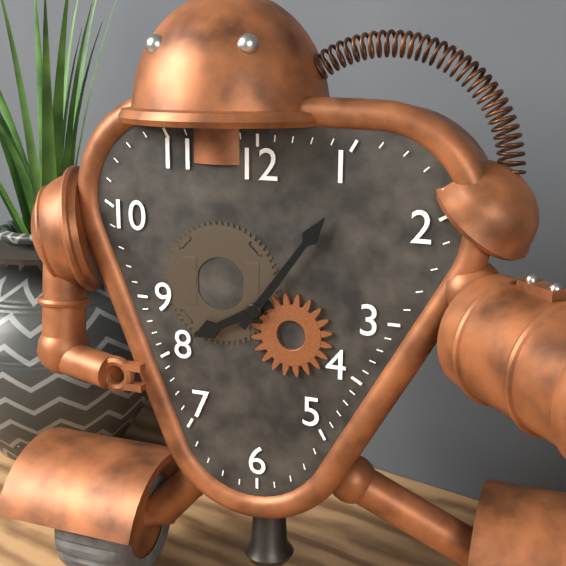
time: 8:06
